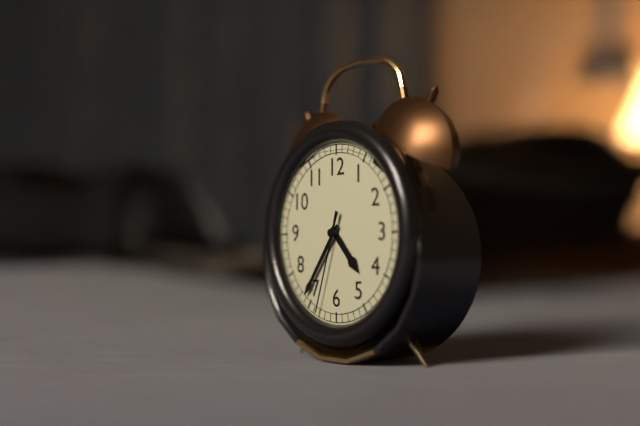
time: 4:36:33
